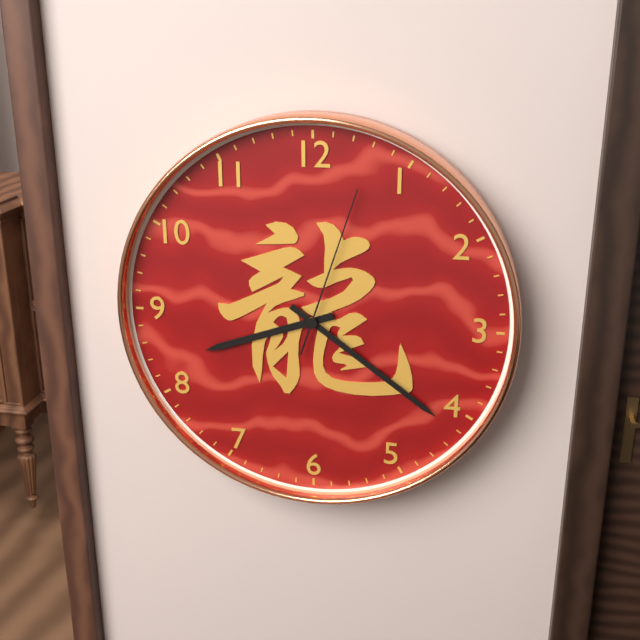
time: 8:21:03
